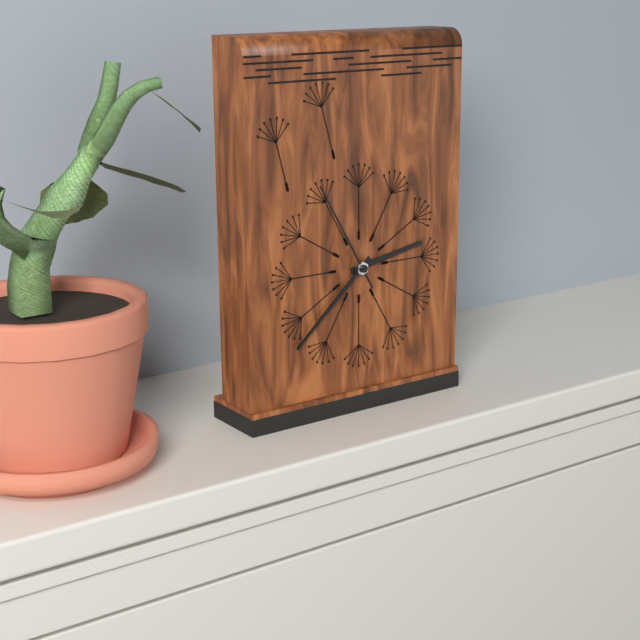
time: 2:38:55
